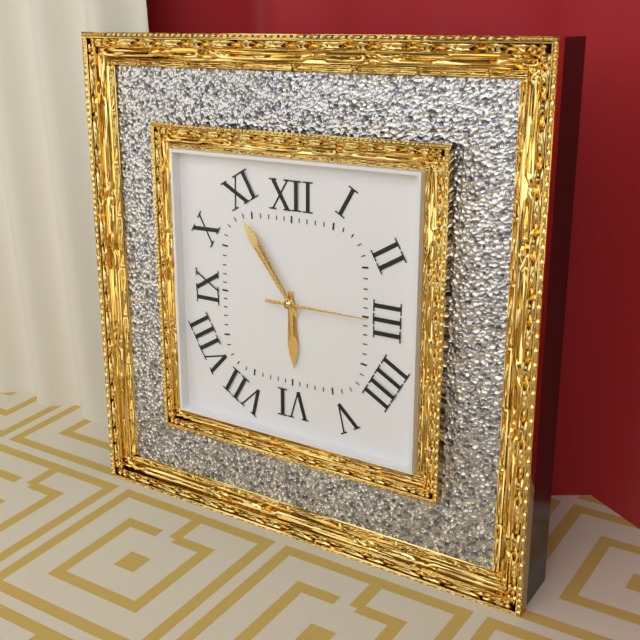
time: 5:54:15
